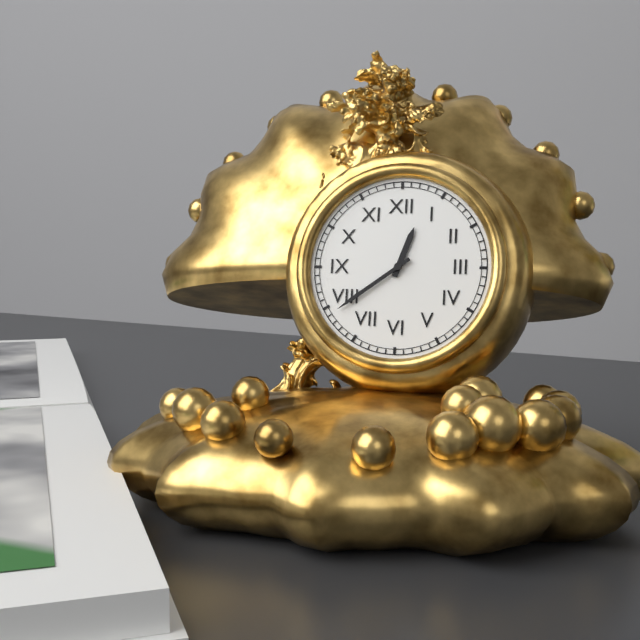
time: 12:39
